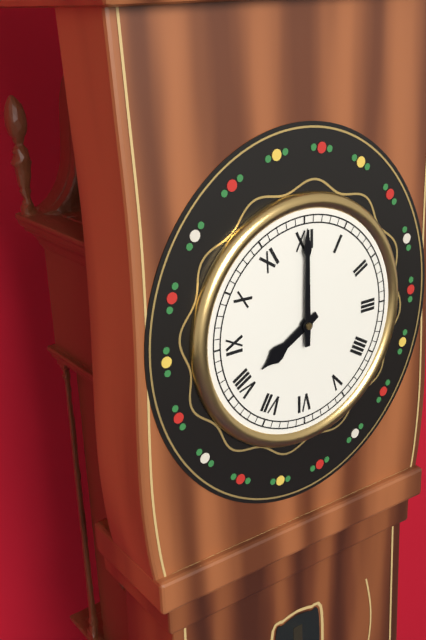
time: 8:00
